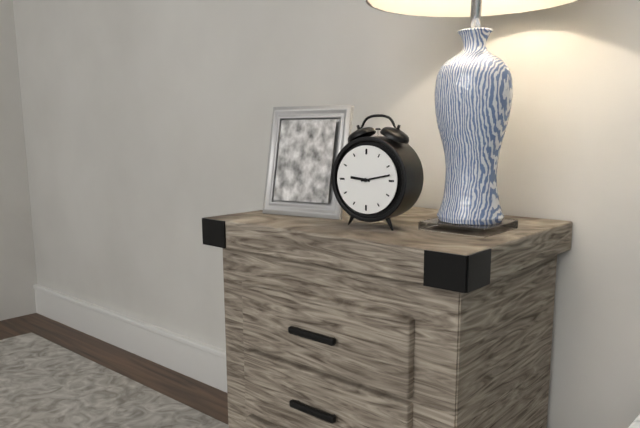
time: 9:13
